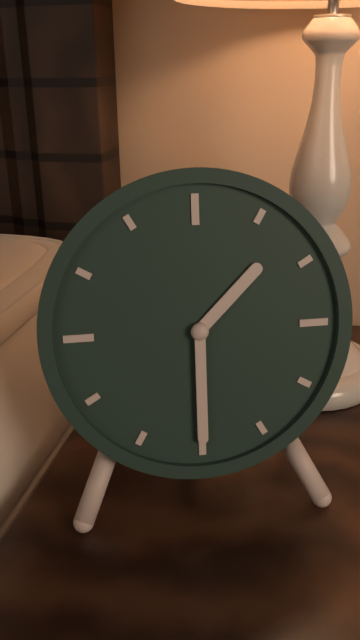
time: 1:30
